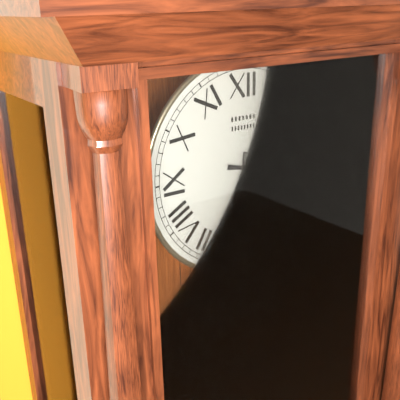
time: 6:17
